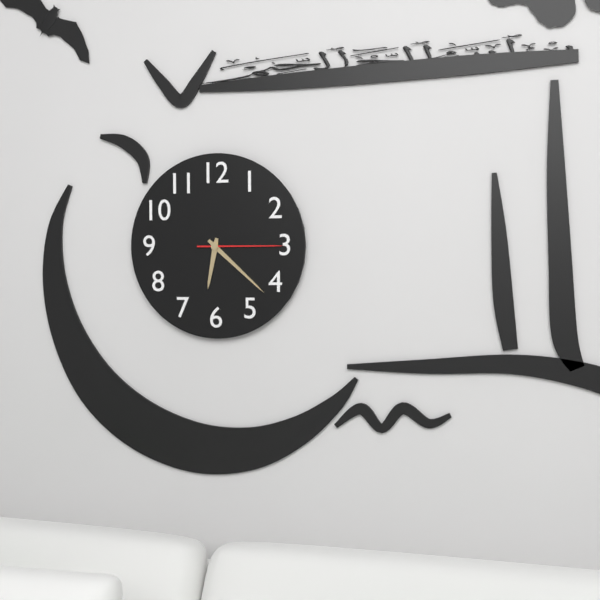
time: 6:22:15
